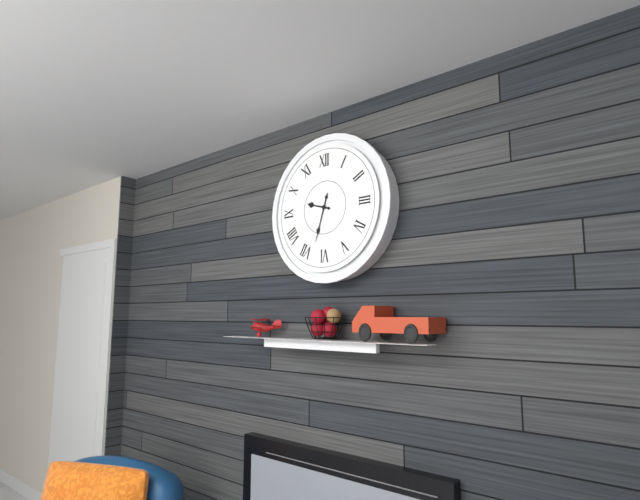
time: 9:33
